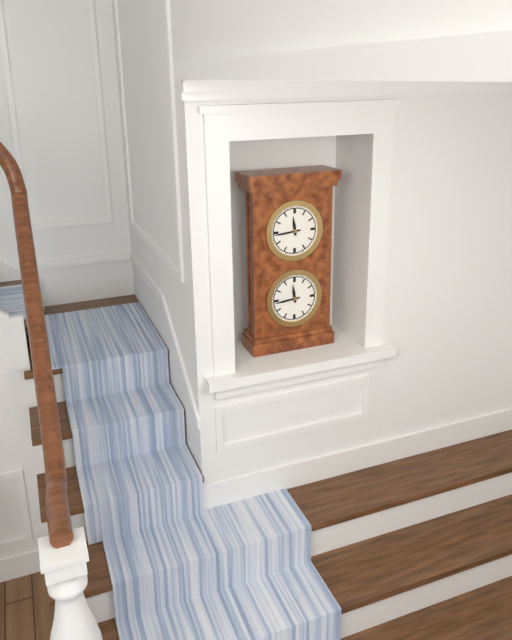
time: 11:44
